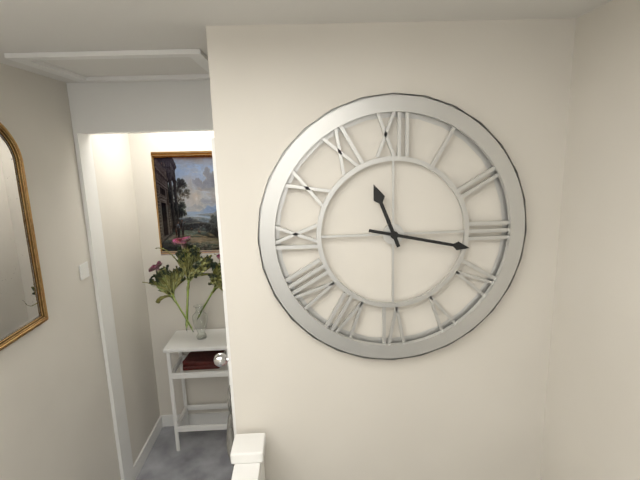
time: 11:17
